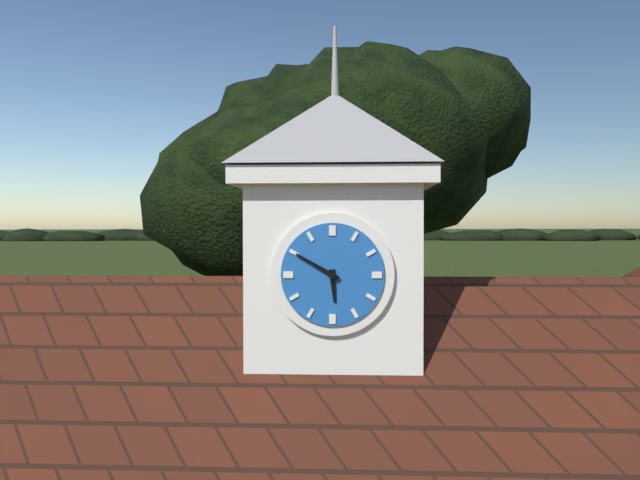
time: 5:50
